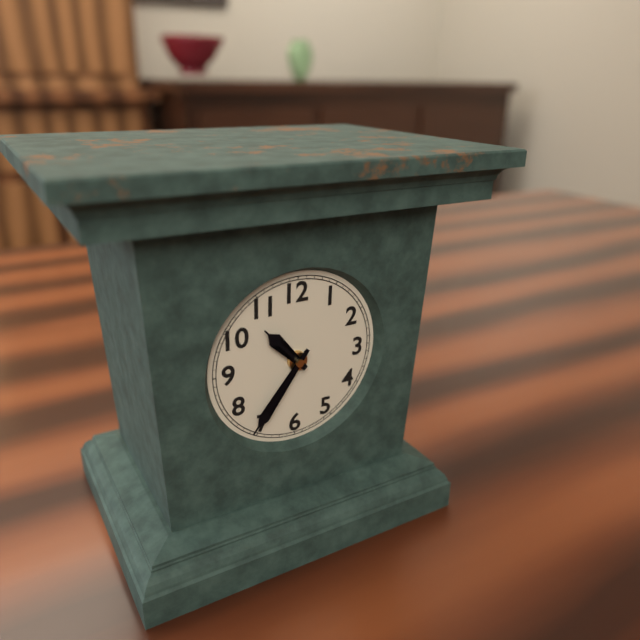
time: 10:36
